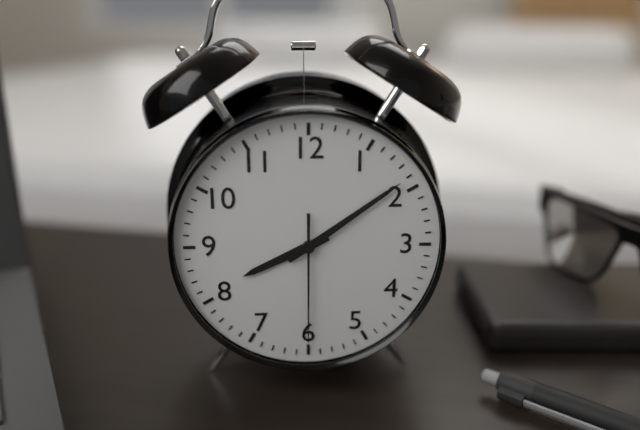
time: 8:09:30
